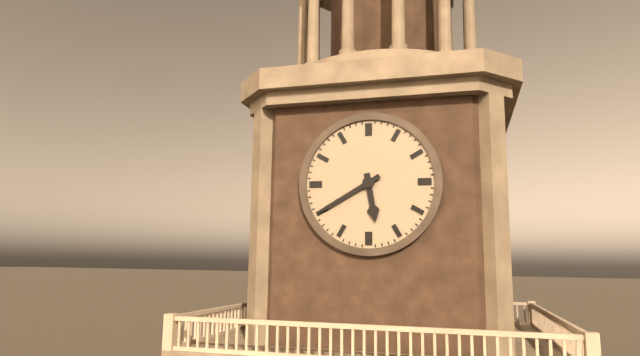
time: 5:40
